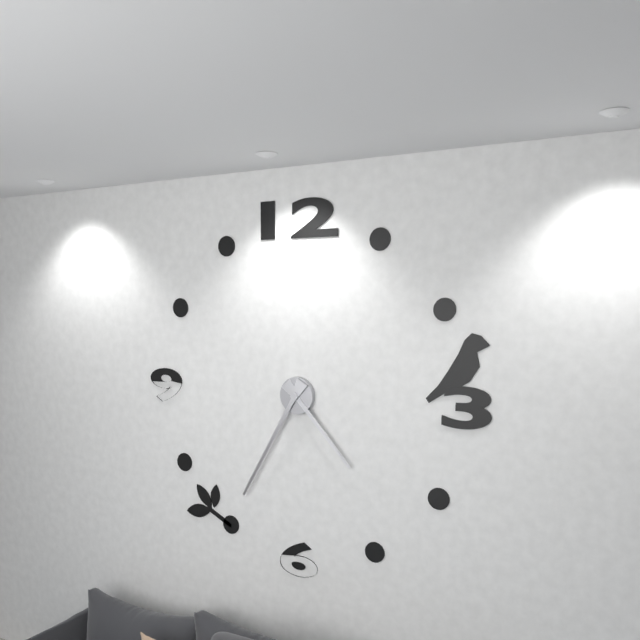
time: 4:35
